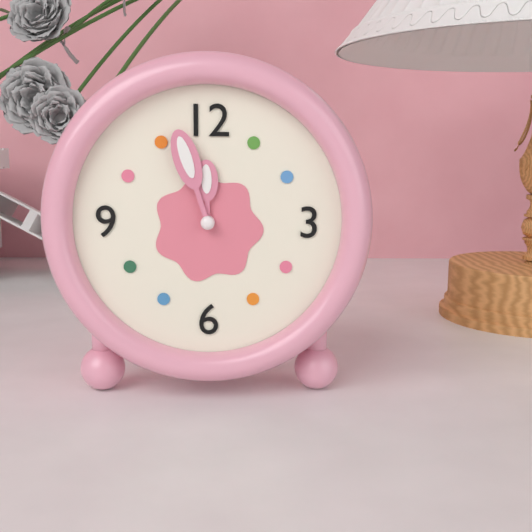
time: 11:57
